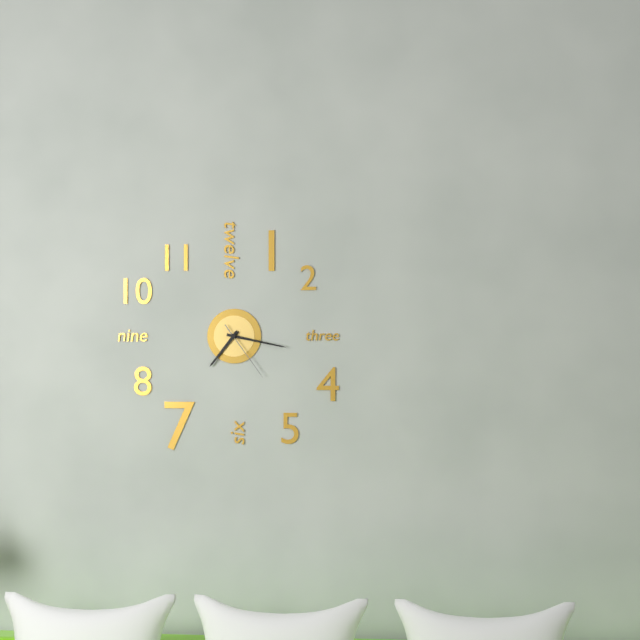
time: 7:17:24
